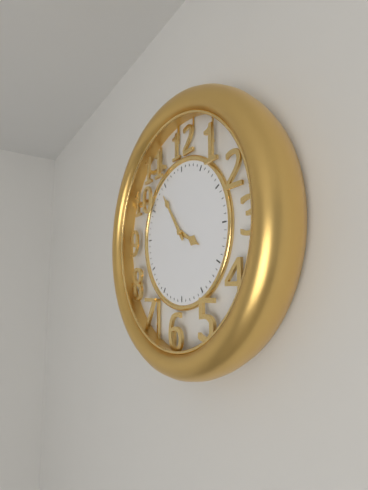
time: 3:54
